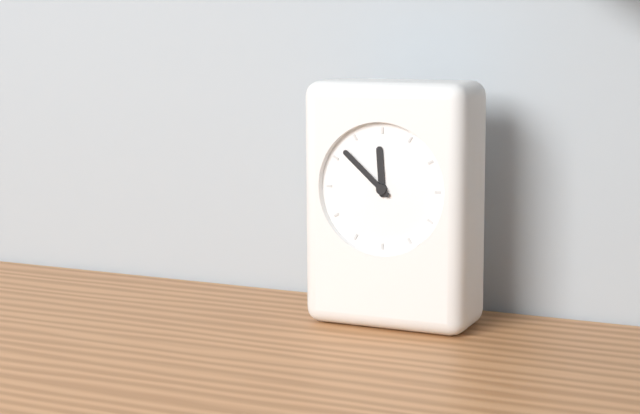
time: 11:52
